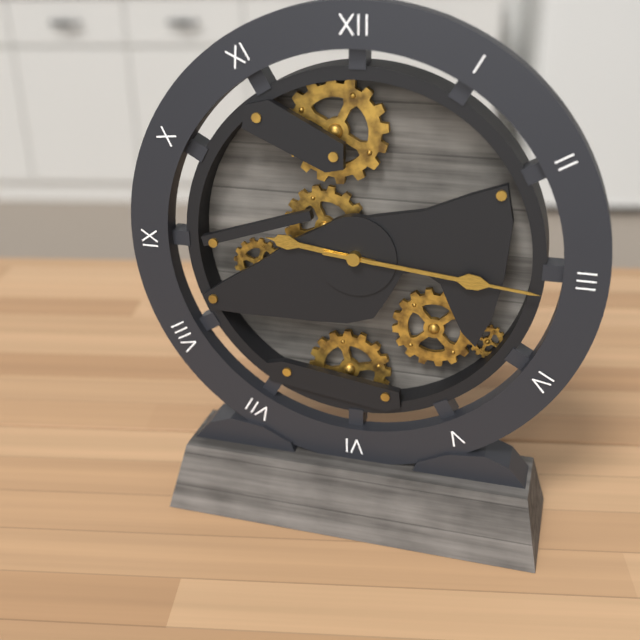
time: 9:16
